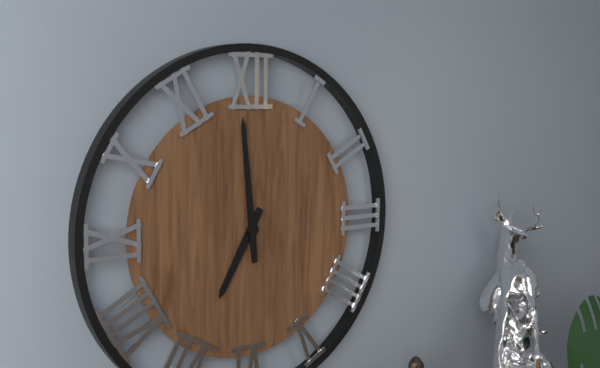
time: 6:59
